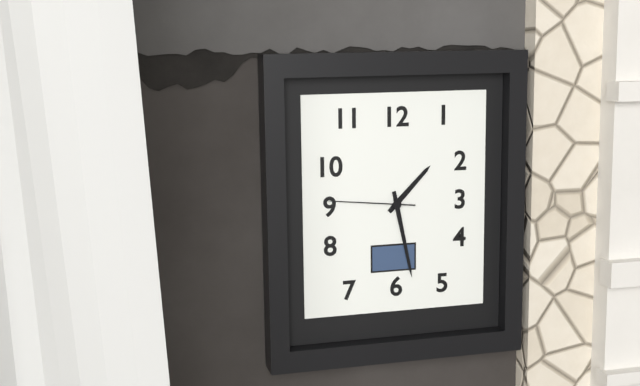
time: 1:28:46
